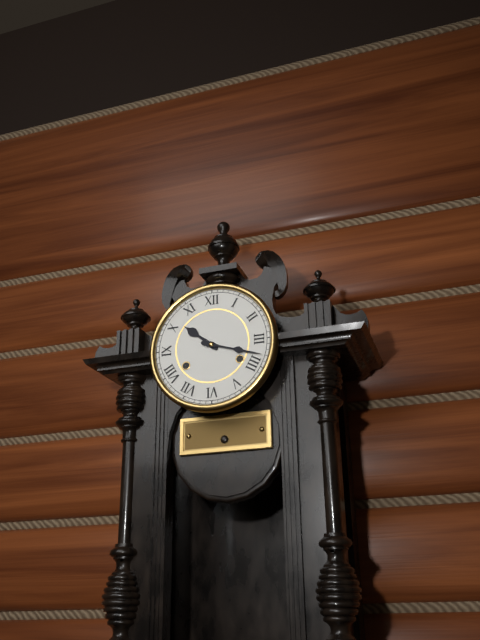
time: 10:18
